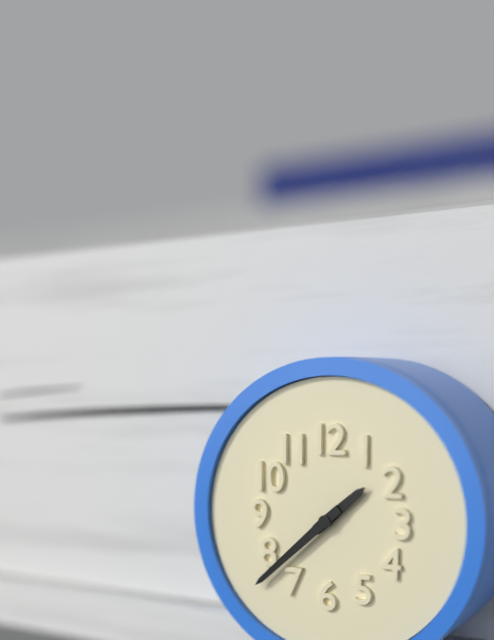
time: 1:38
